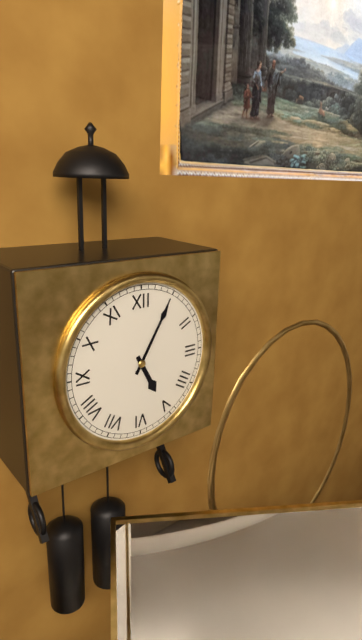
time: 5:05
